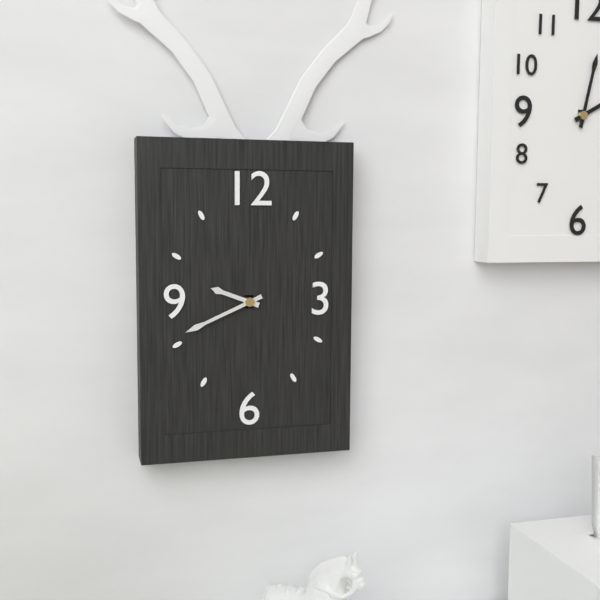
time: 9:41
